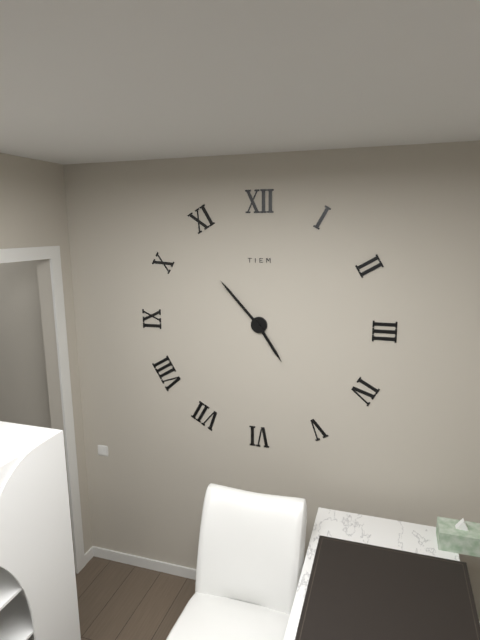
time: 4:53
